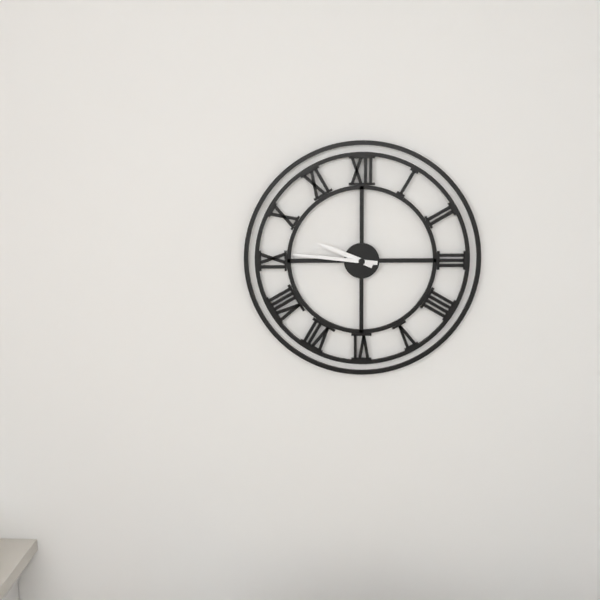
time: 9:46
